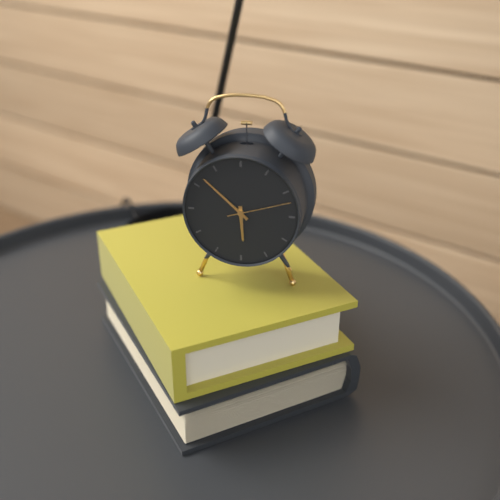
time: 5:52:12
